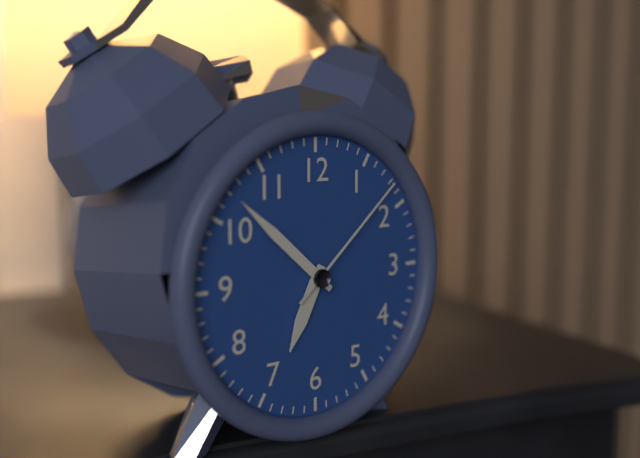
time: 6:52:08
